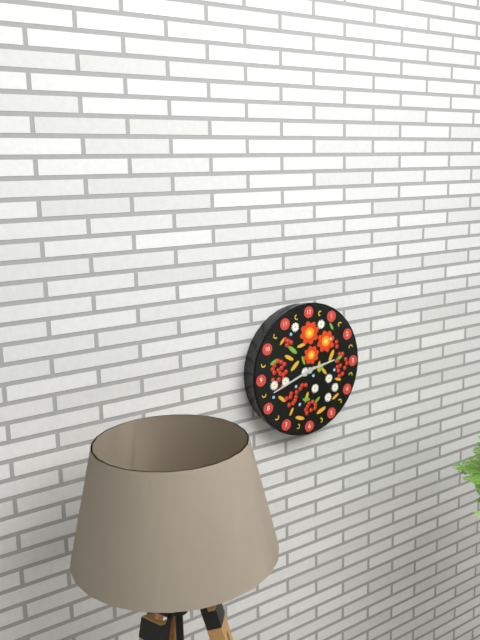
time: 2:42
